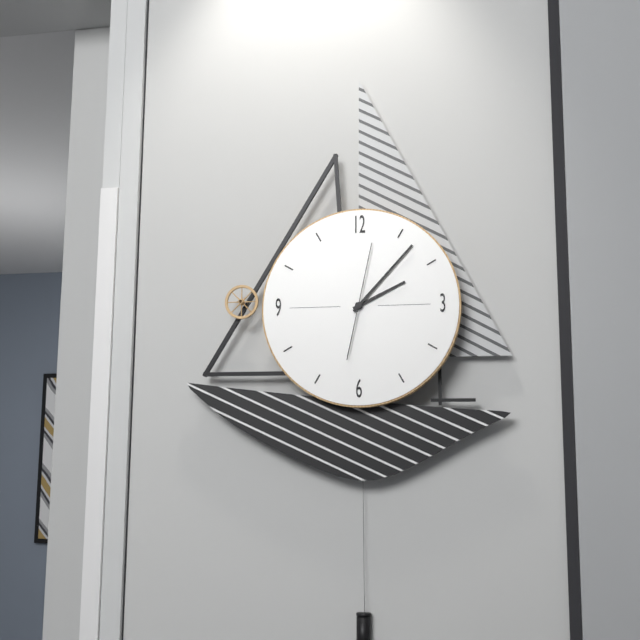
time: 2:07:02
